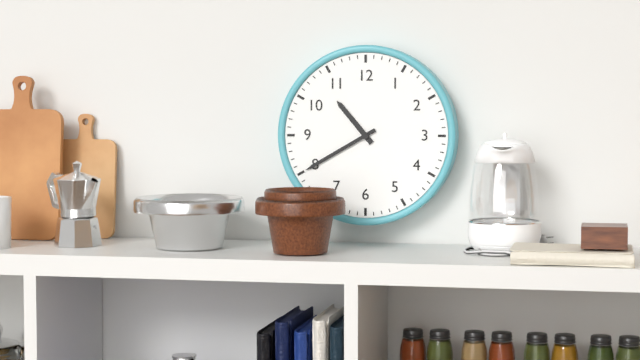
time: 10:40
